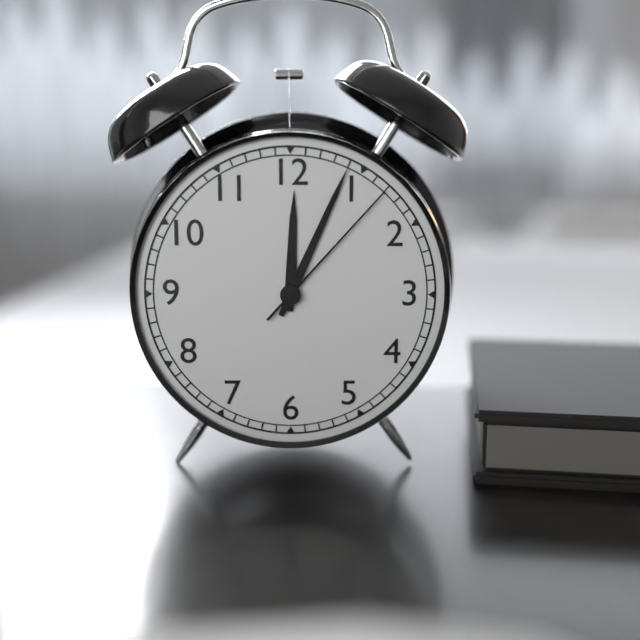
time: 12:04:07
